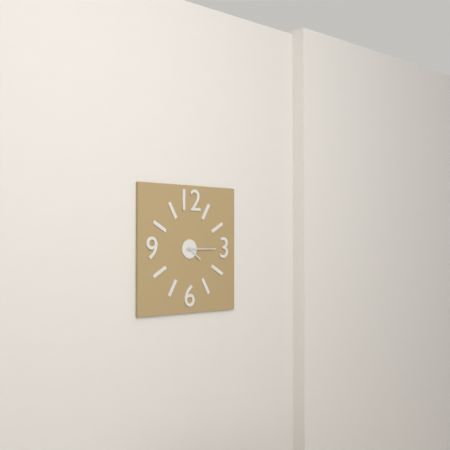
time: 4:15
